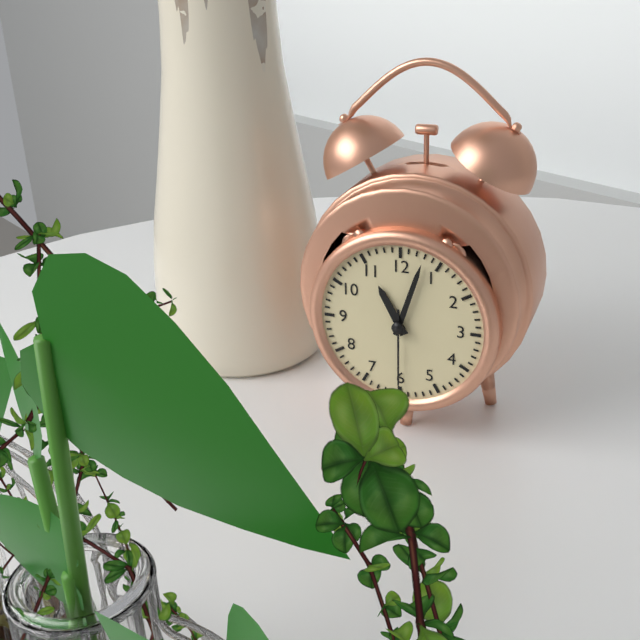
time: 11:03:30
